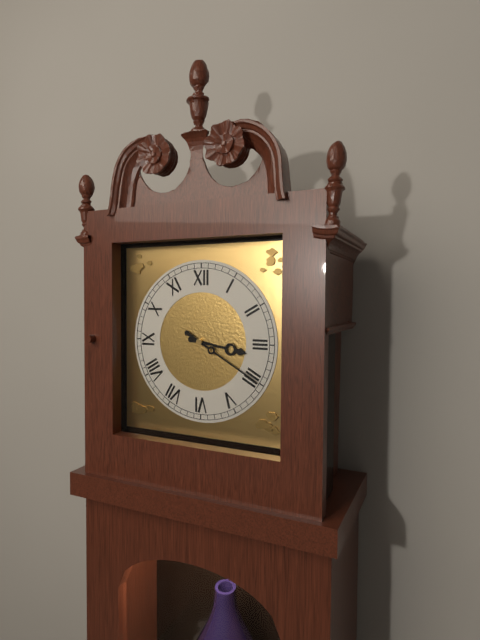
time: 3:20
